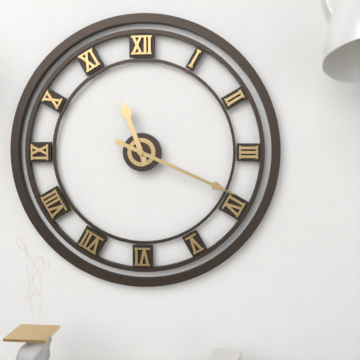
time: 11:19:19
